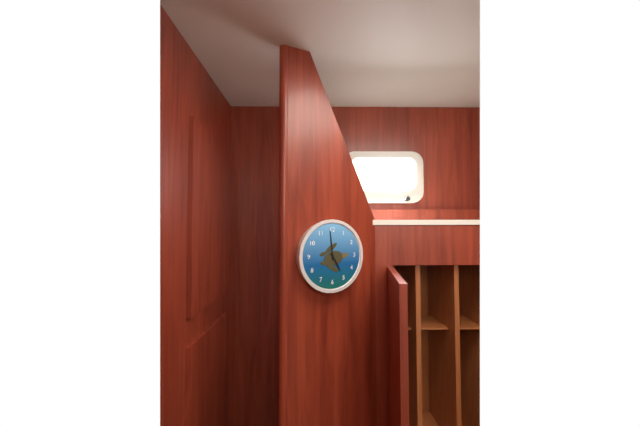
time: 4:59
